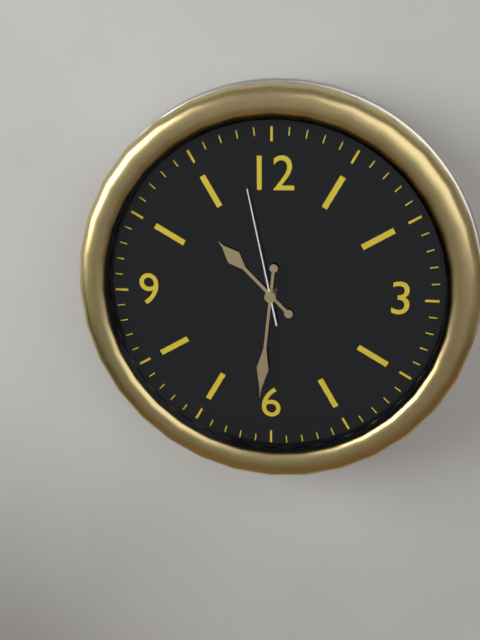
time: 10:31:58
